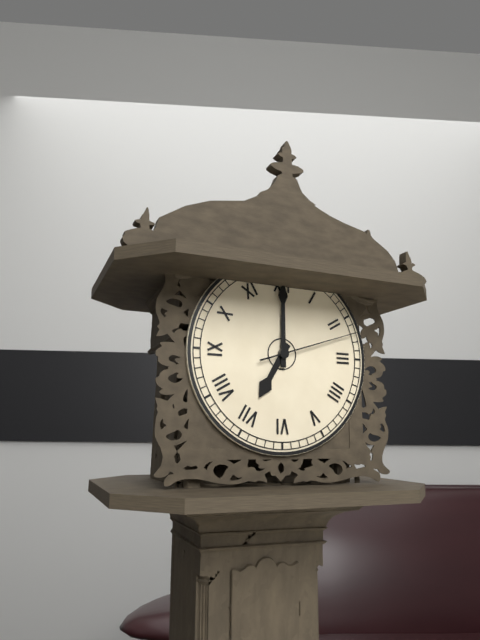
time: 7:00:12
